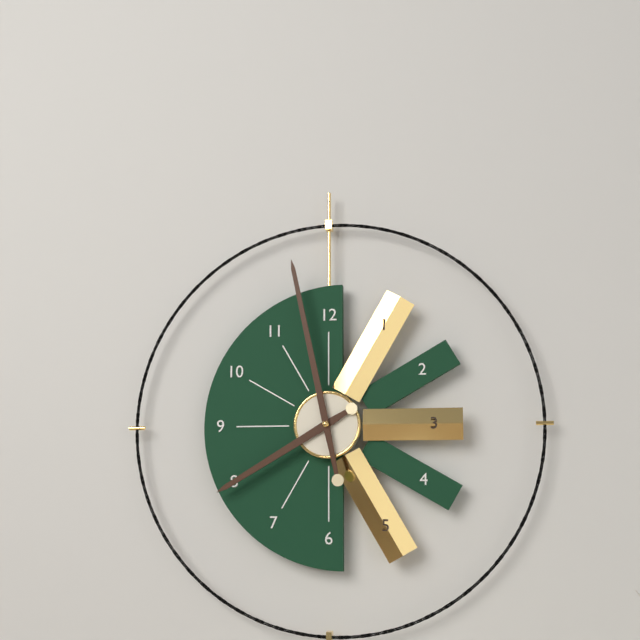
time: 7:58
